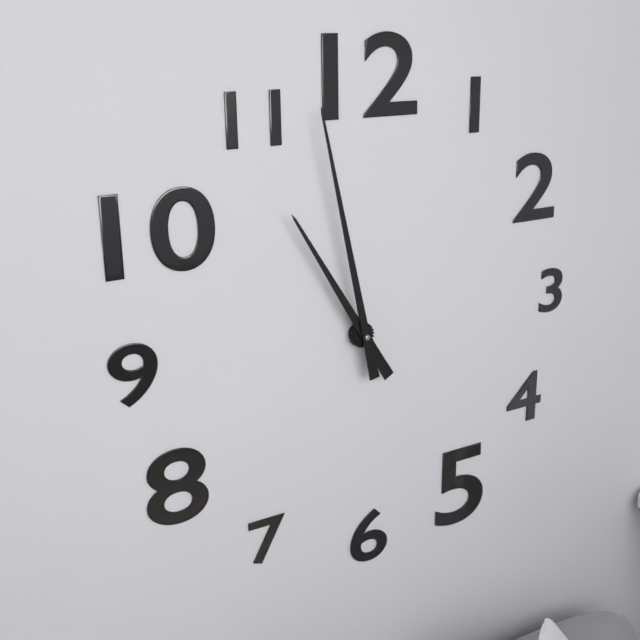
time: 10:58
